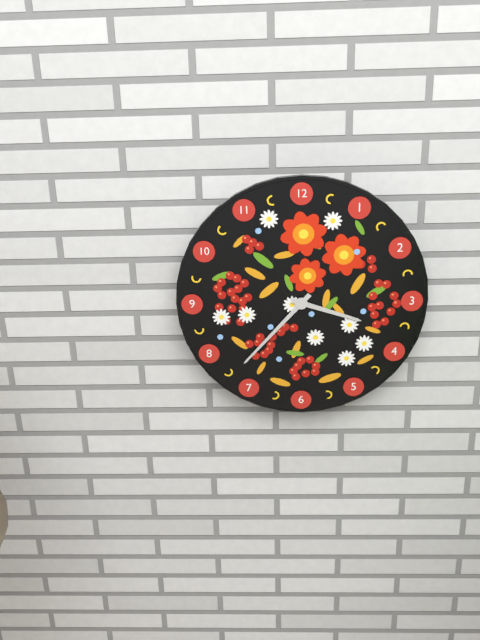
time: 3:37
